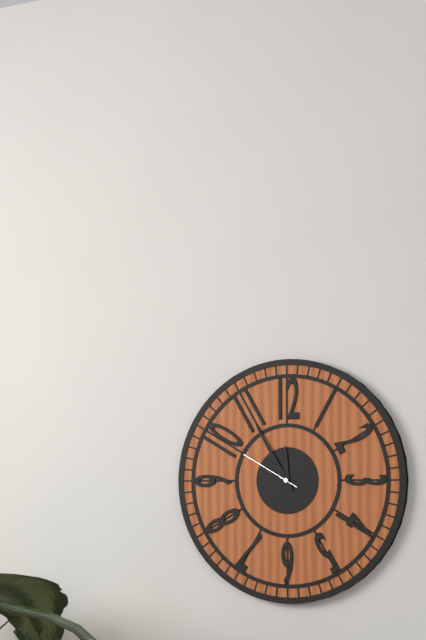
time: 11:55:50
